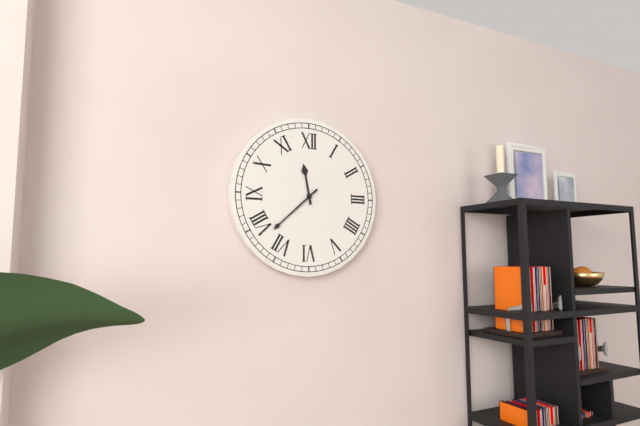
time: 11:38
